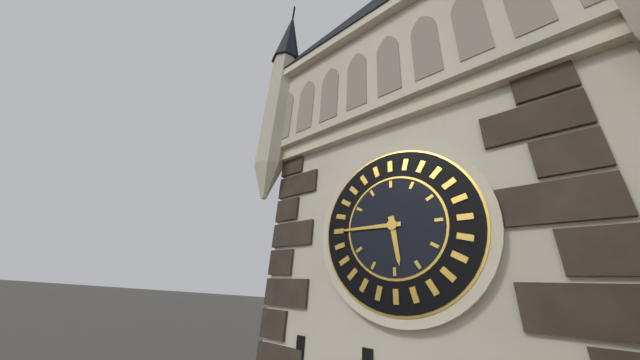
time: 5:45
